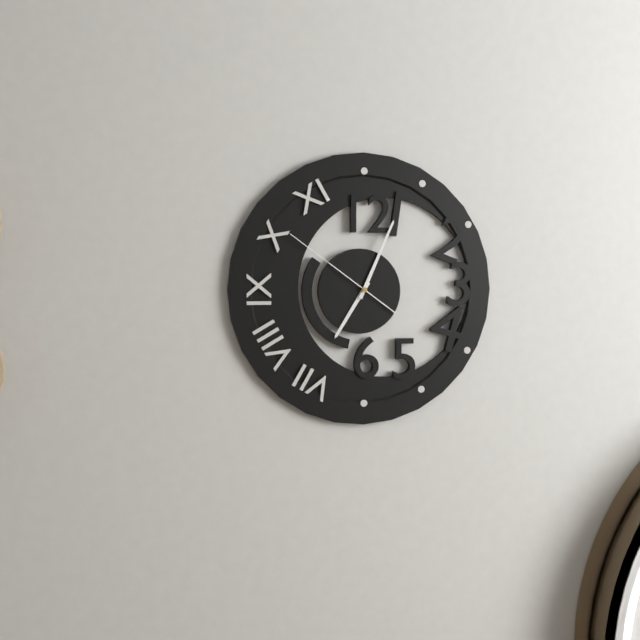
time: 7:04:51
